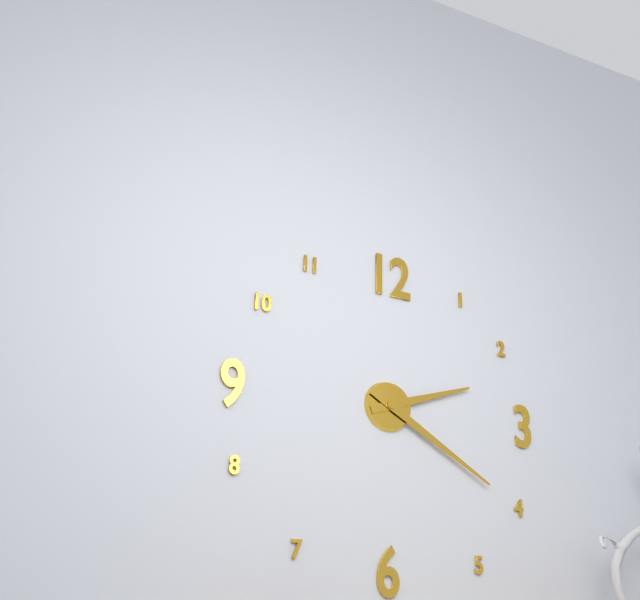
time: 2:20
